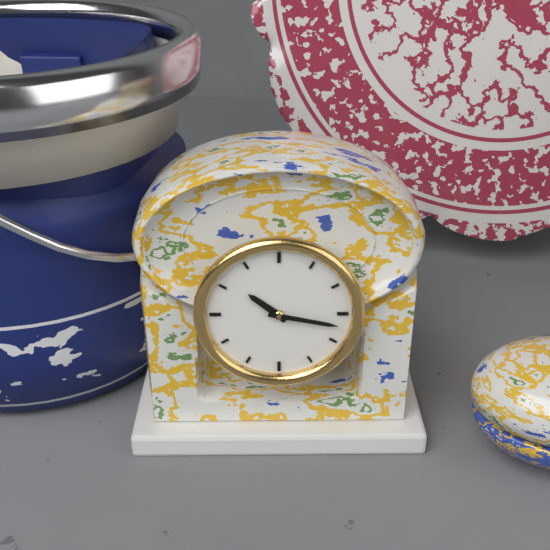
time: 10:17
